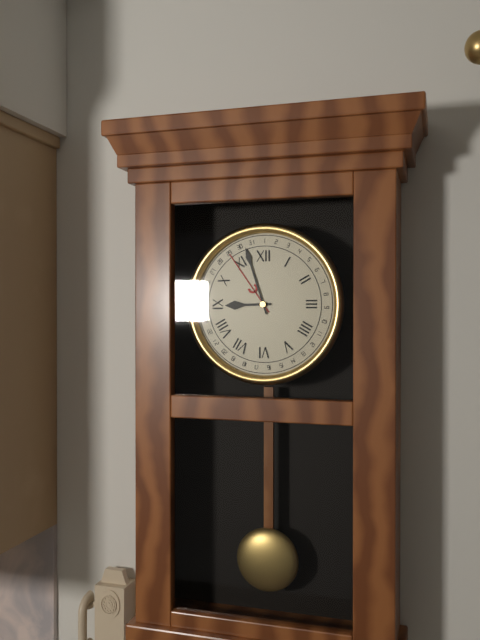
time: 8:57
